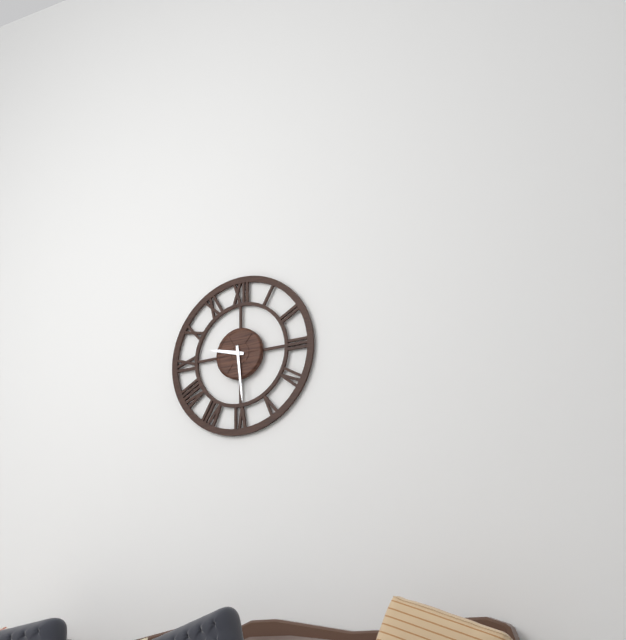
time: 9:29
